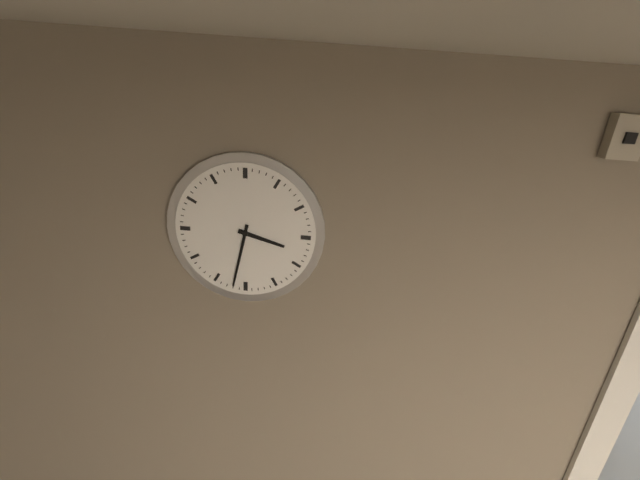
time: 3:32
